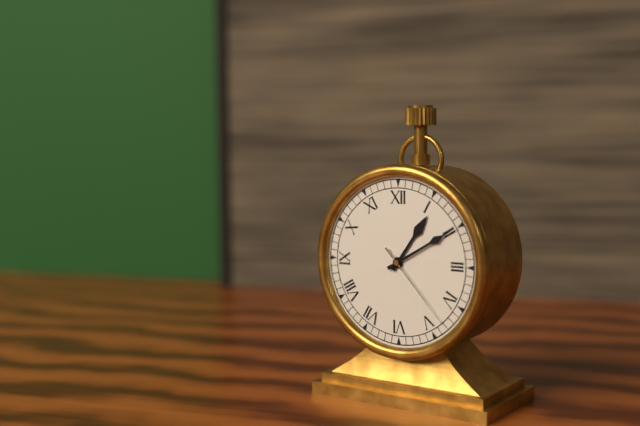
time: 1:10:23
